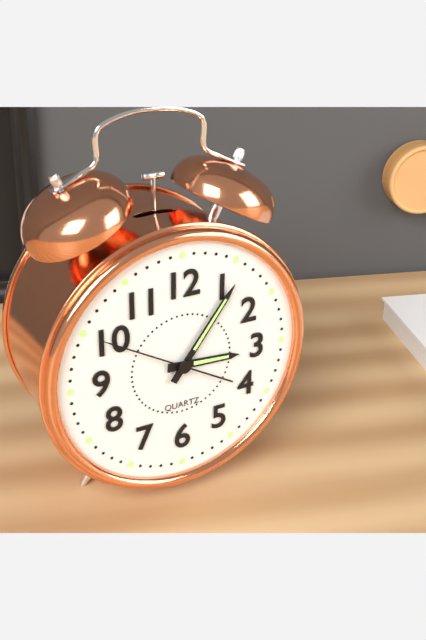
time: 3:06:50
